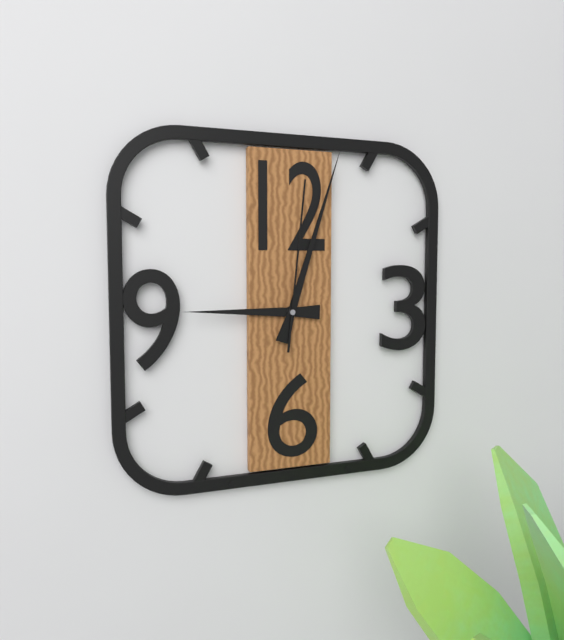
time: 9:03:01
